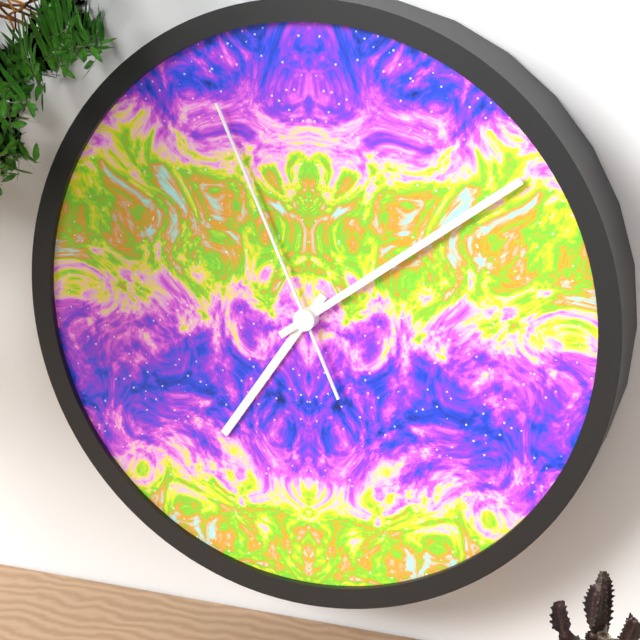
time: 7:09:56
